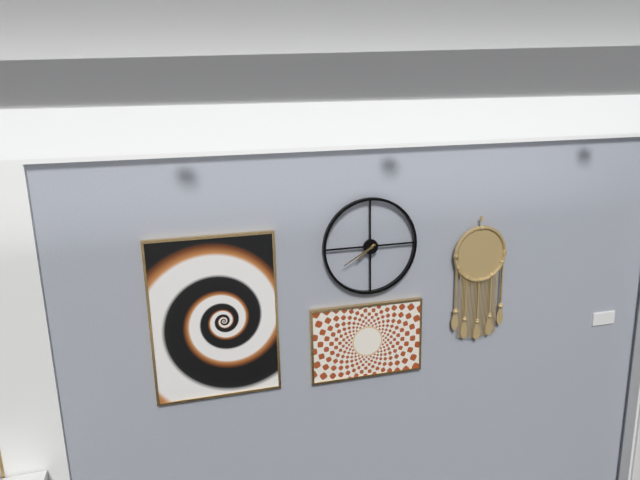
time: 7:40
